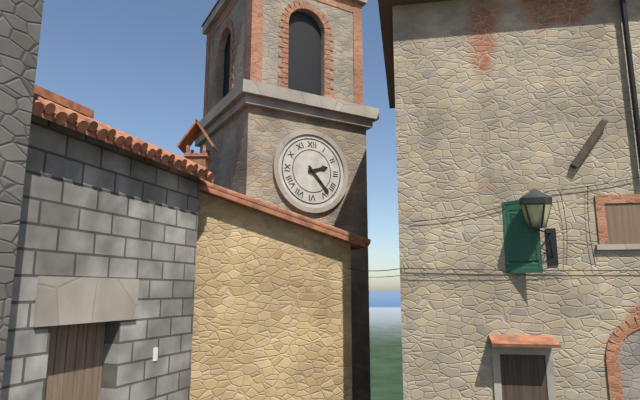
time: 2:23
